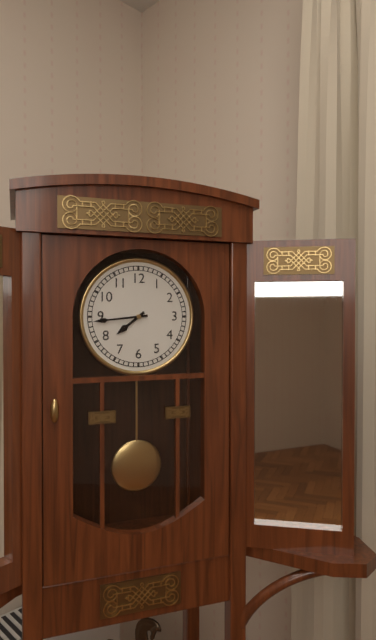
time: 7:44
